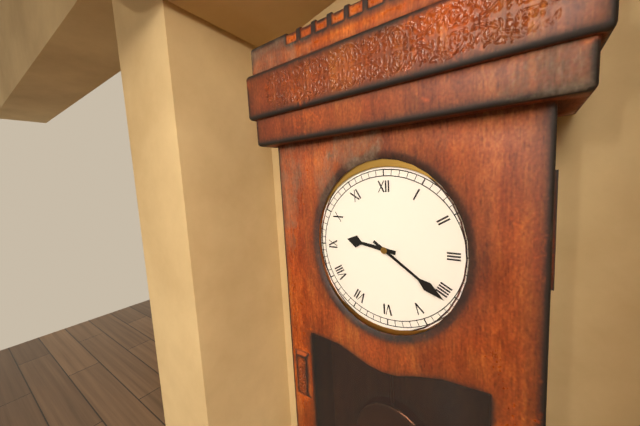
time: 9:21
